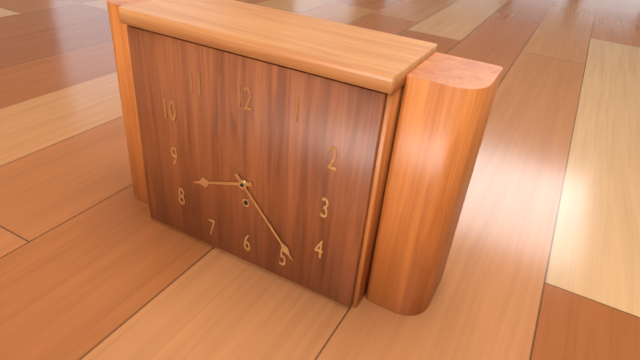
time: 8:23
